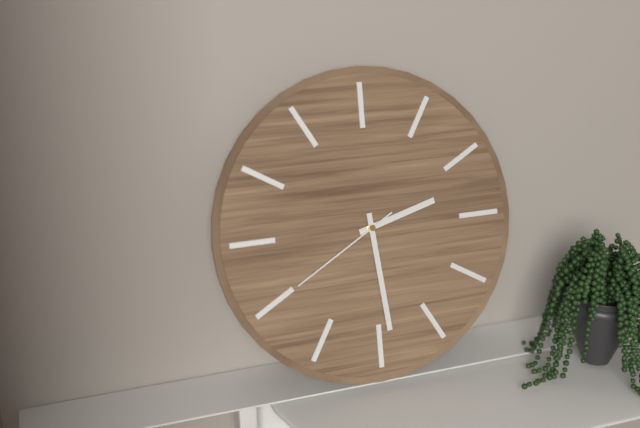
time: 2:29:40
